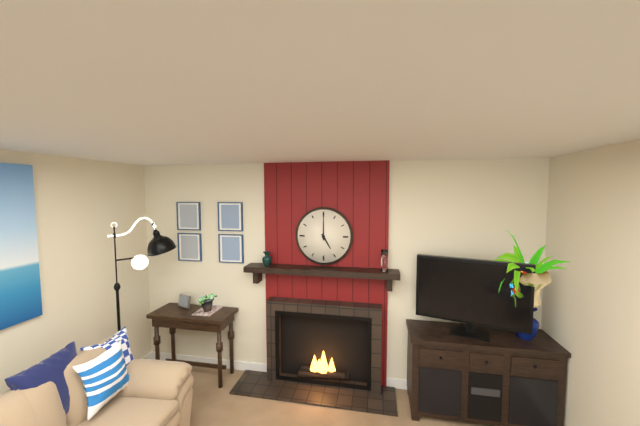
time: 5:00
